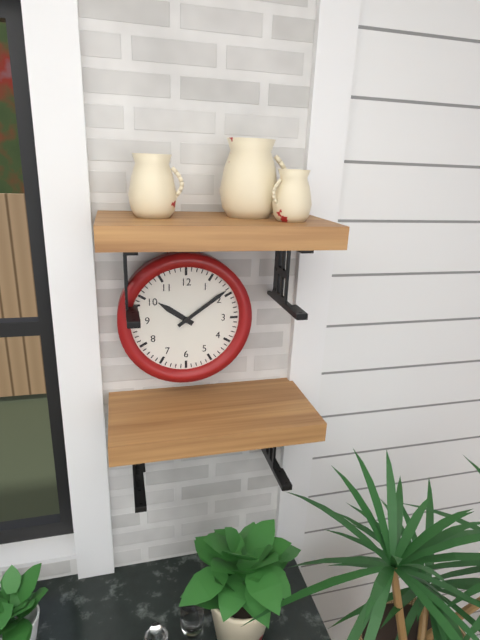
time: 10:09
